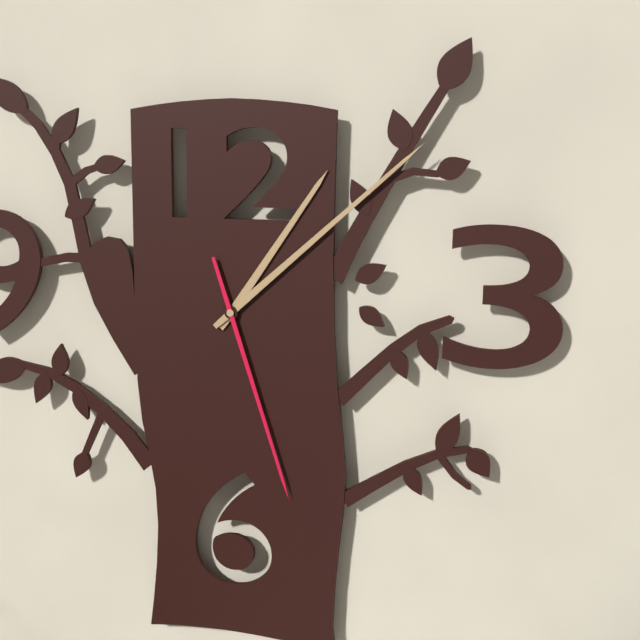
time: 1:08:27
